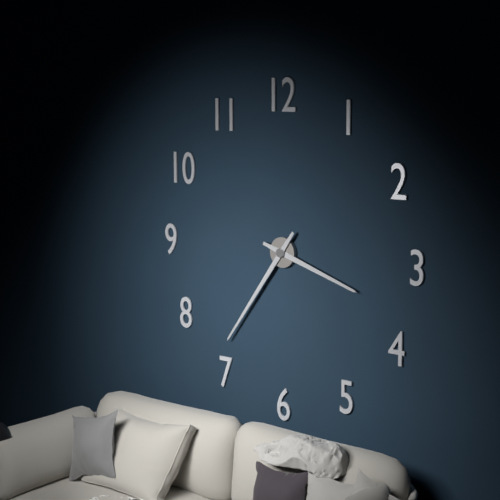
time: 3:36
